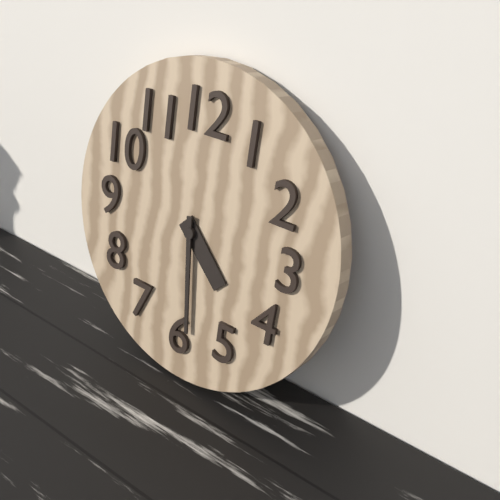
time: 4:29
